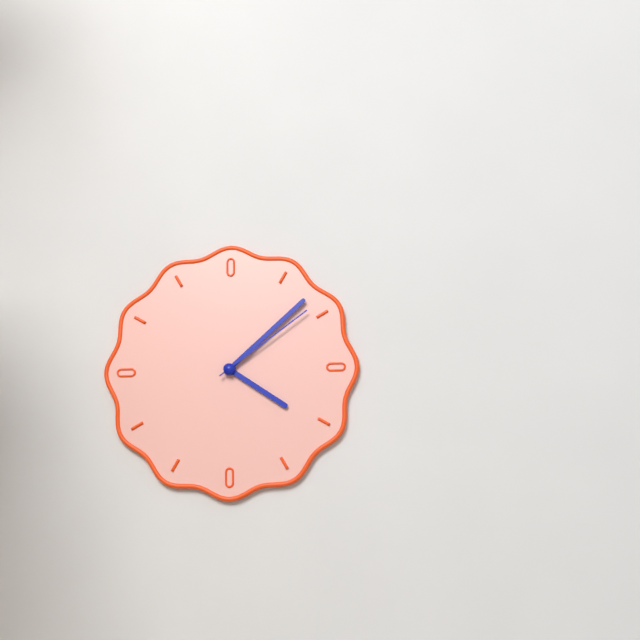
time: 4:08:09
